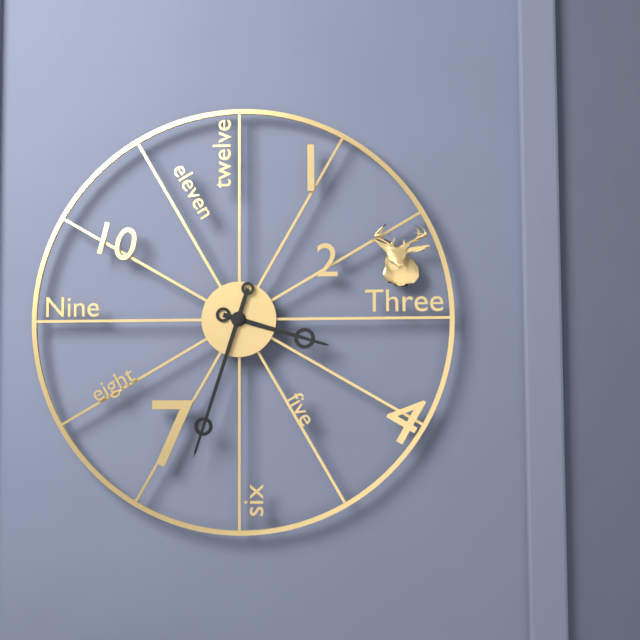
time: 3:33
